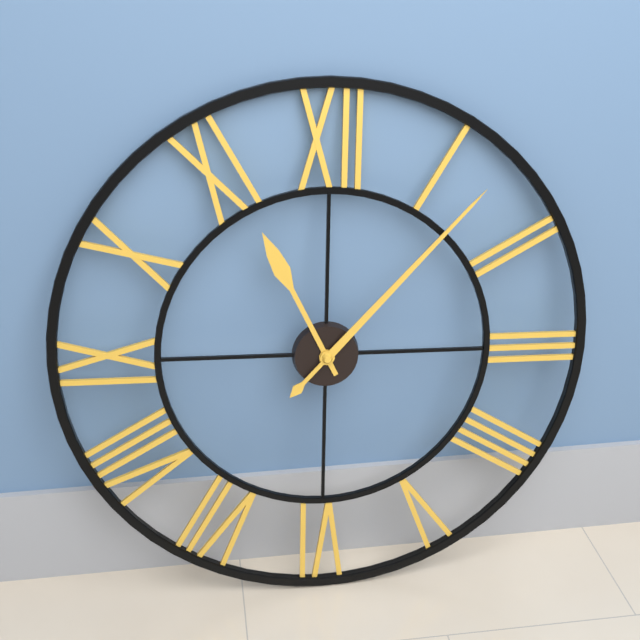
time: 11:07
